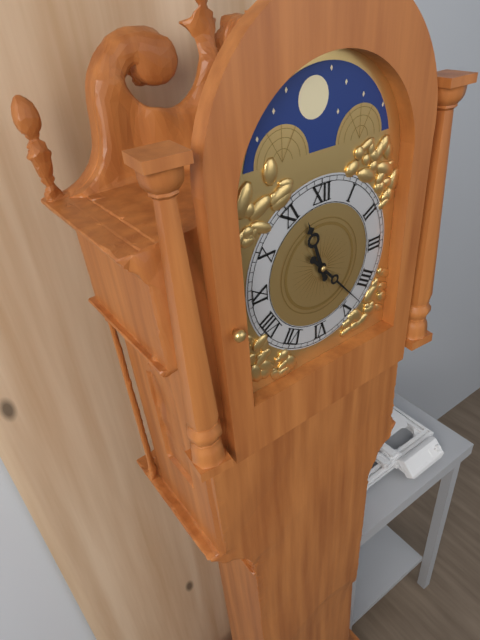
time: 11:23
